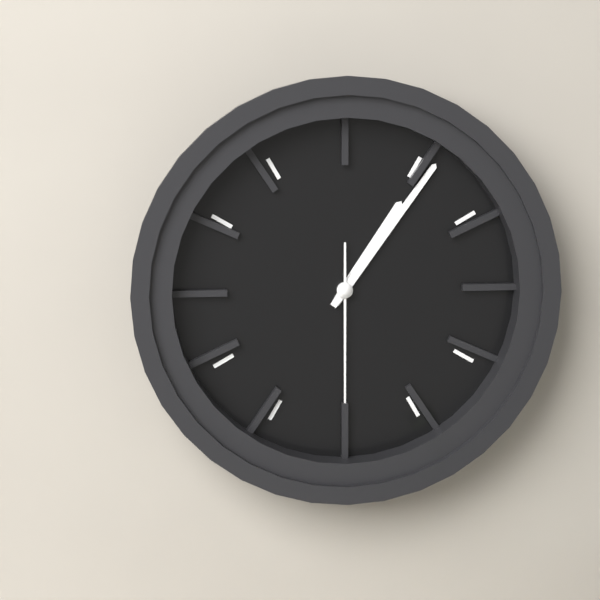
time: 1:06:30
